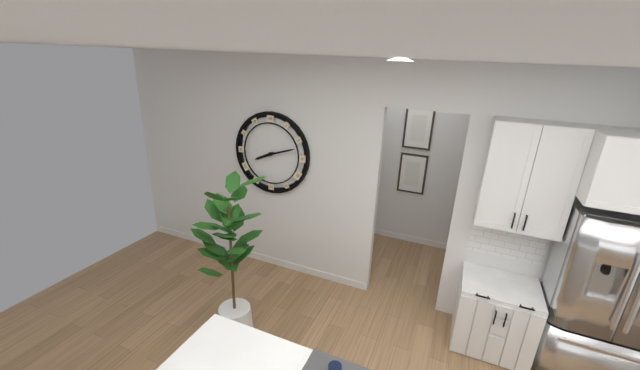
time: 8:12
